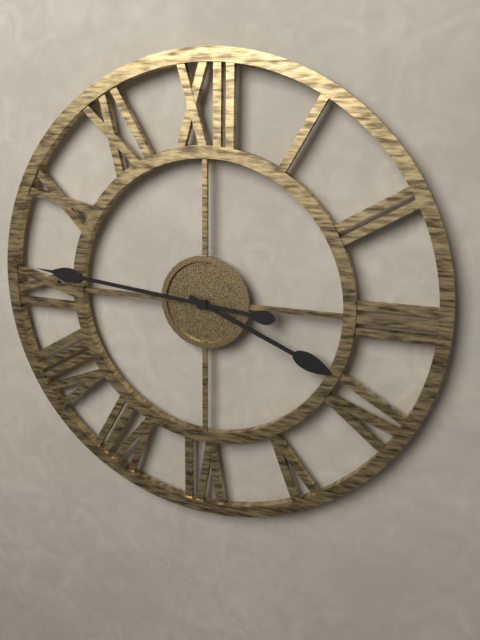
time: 3:46
